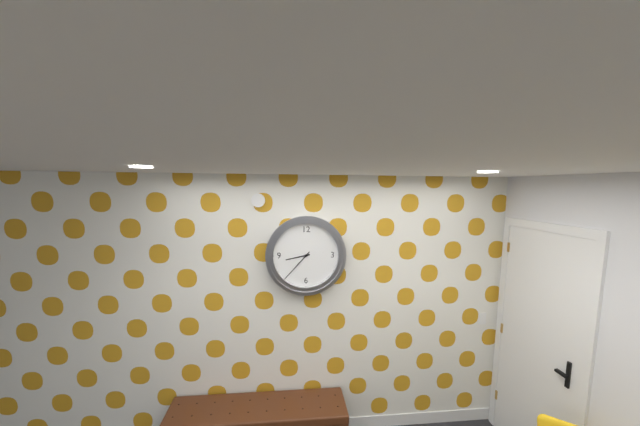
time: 8:37
